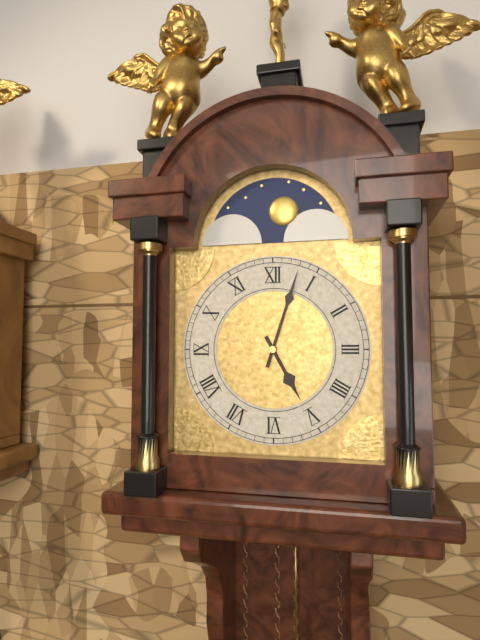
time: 5:03
